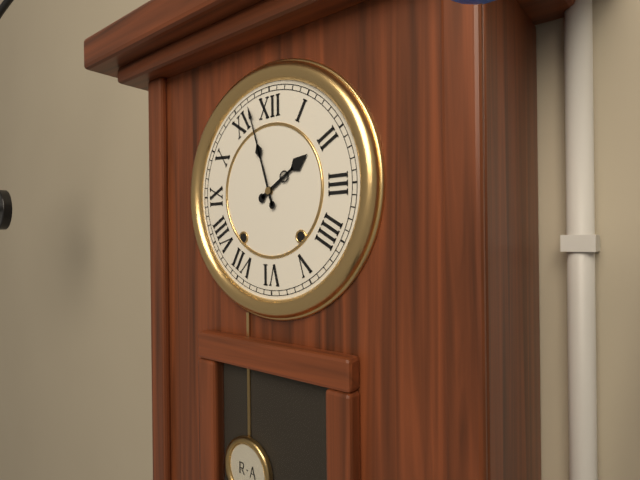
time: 1:57
